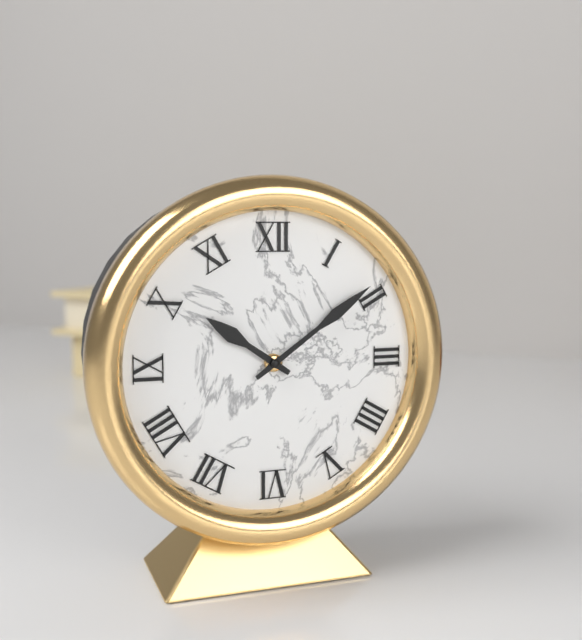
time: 10:09
